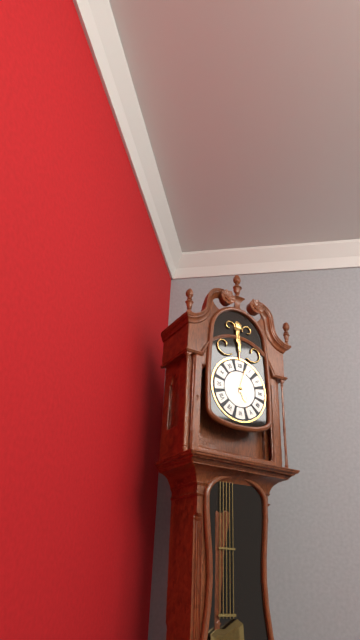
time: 5:03
